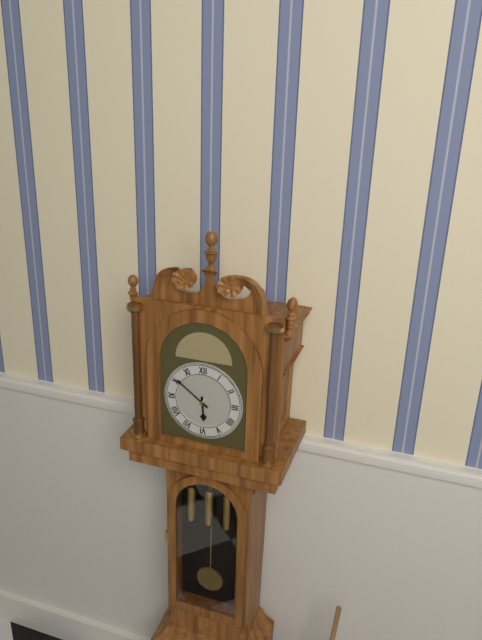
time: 5:51
